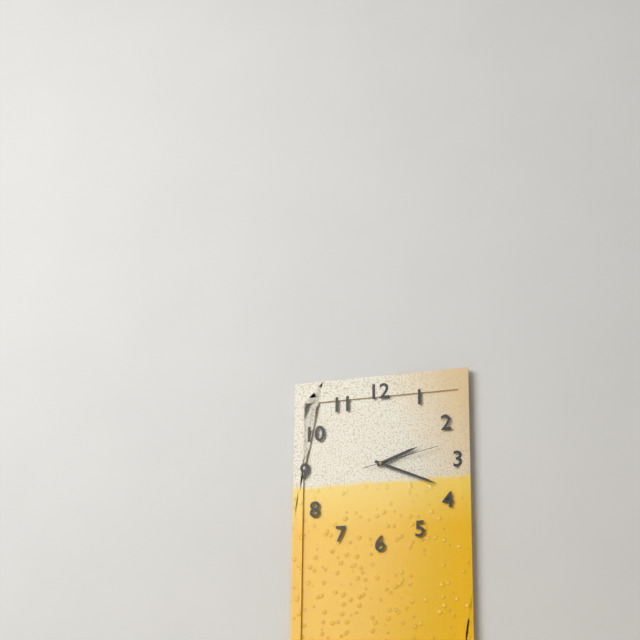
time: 2:19:13
